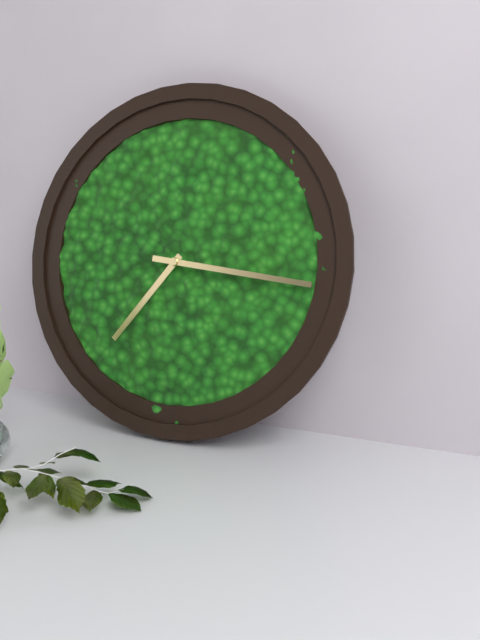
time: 7:16
